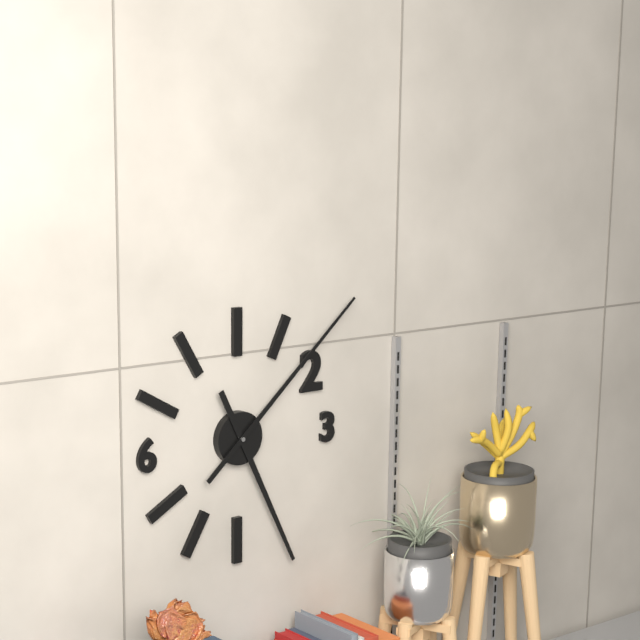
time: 5:08
